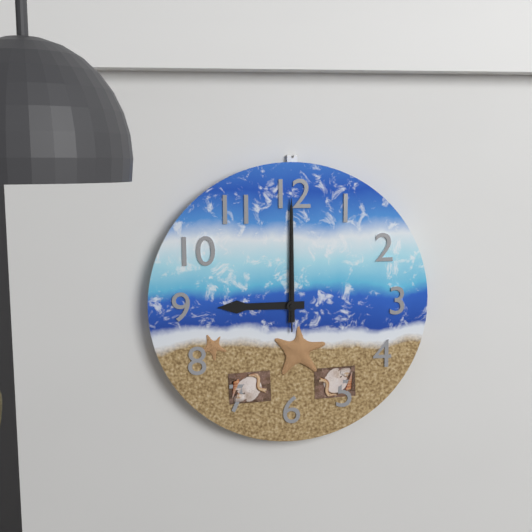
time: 9:00:00
